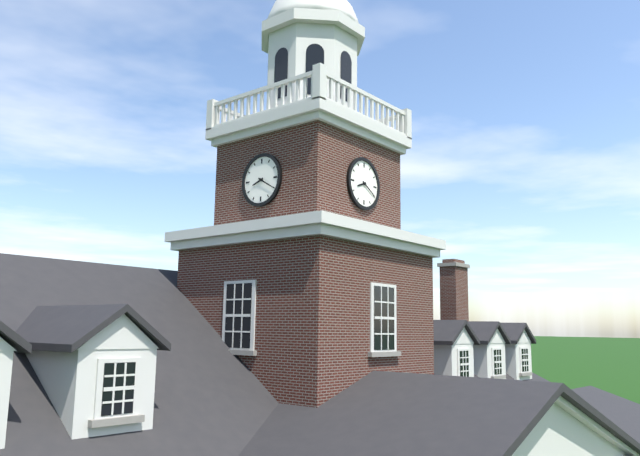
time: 8:20
